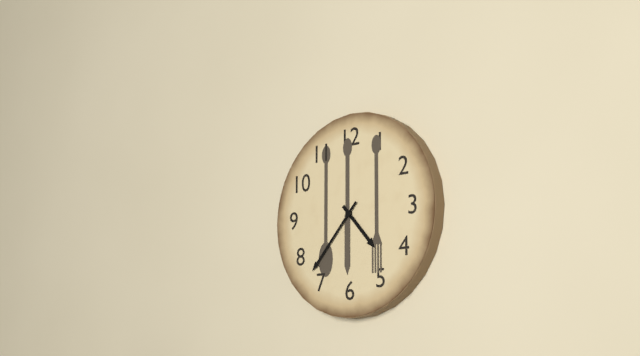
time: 4:37
